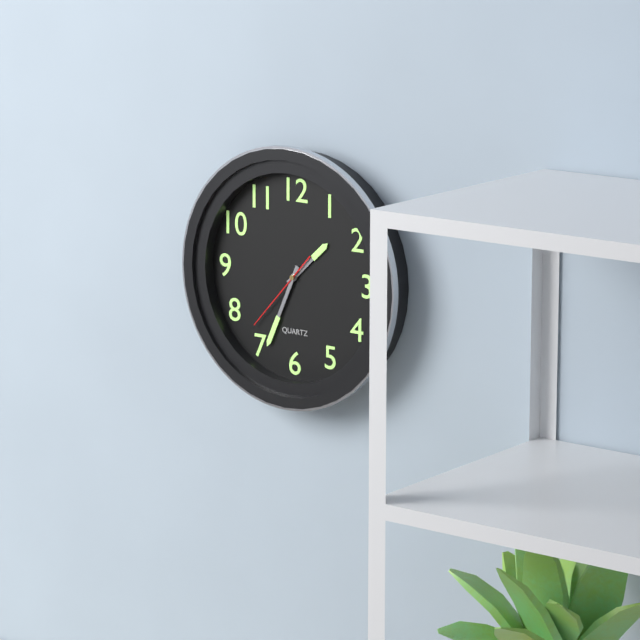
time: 1:34:37
